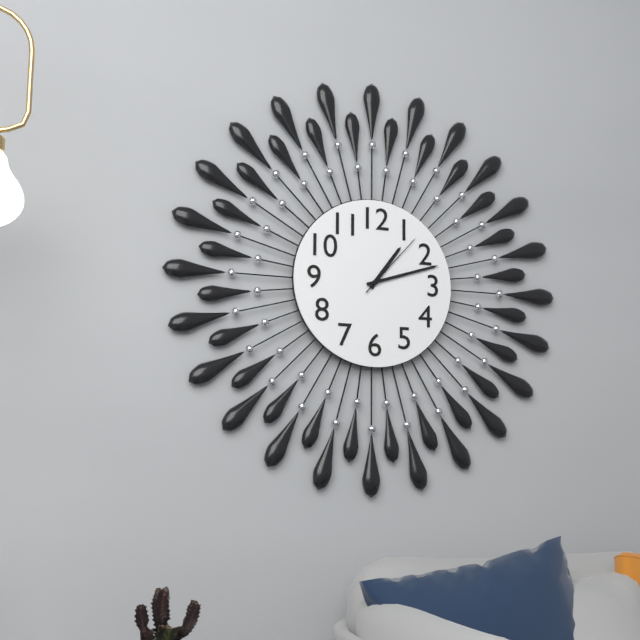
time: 1:12:07
